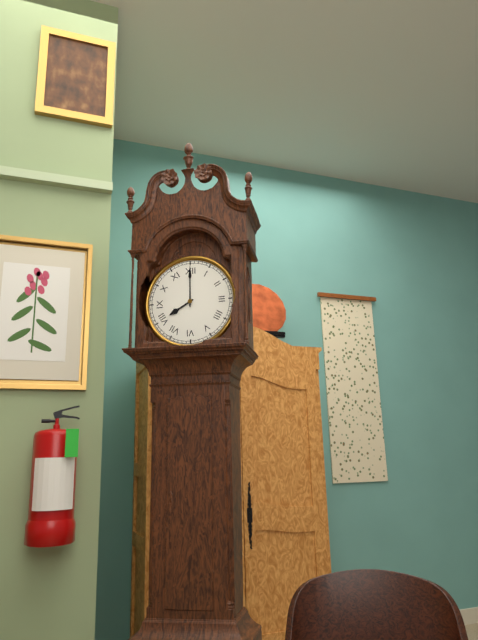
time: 8:00
